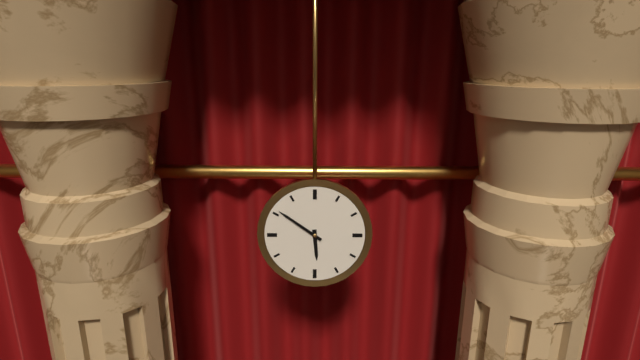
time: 5:51
